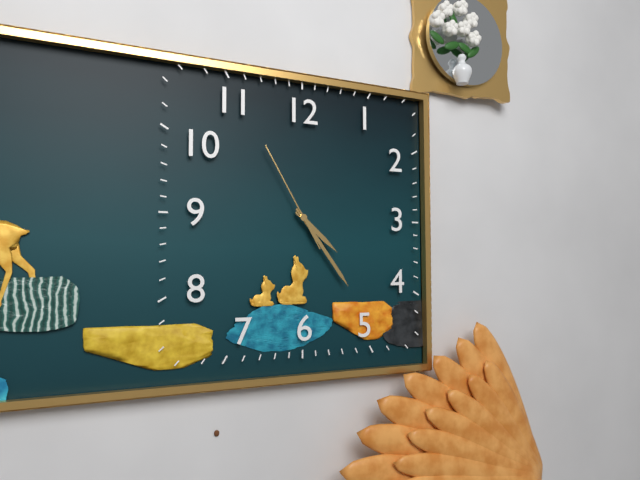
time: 4:24:55
